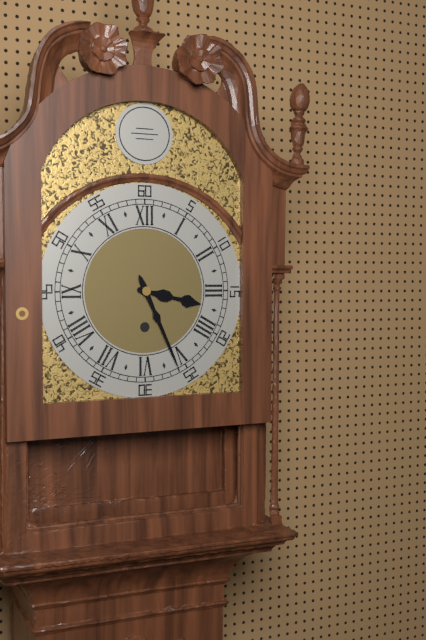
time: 3:26
